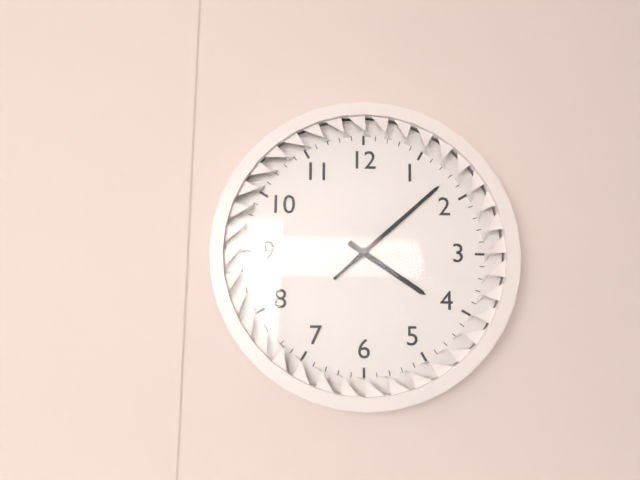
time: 4:08:08
